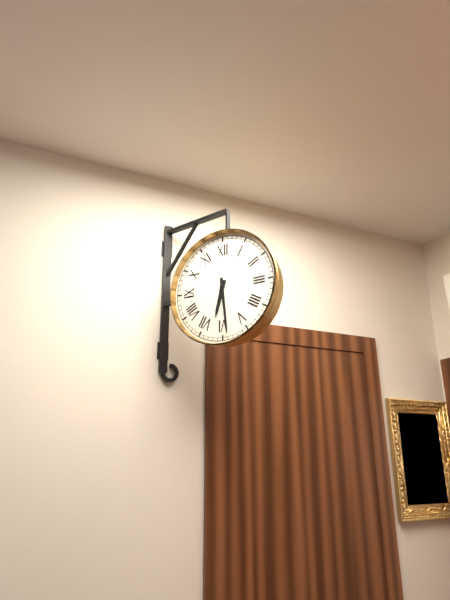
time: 6:29
